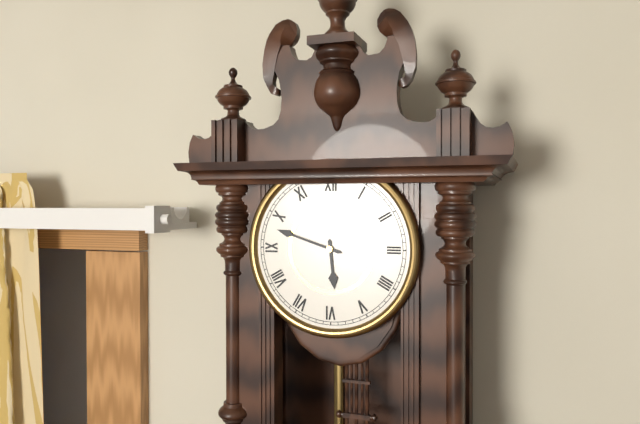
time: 5:48
